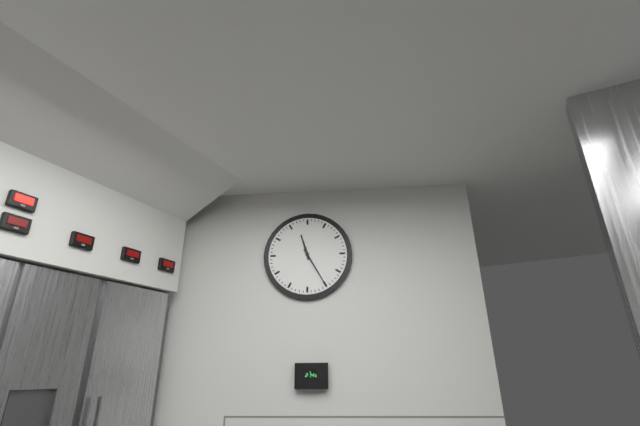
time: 11:25
